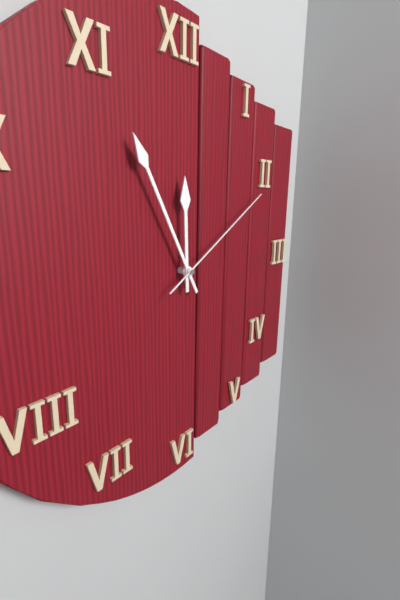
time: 11:55:10
